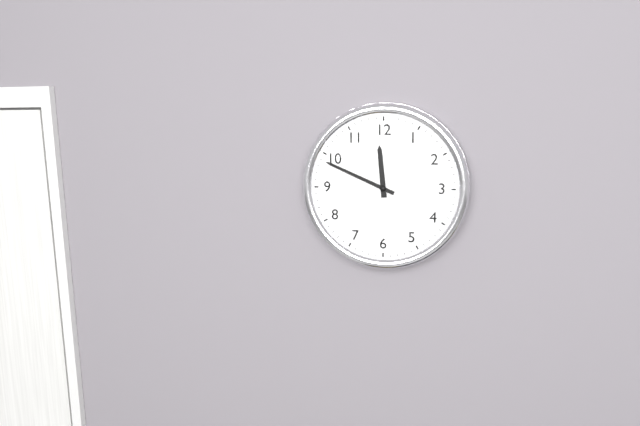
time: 11:49
